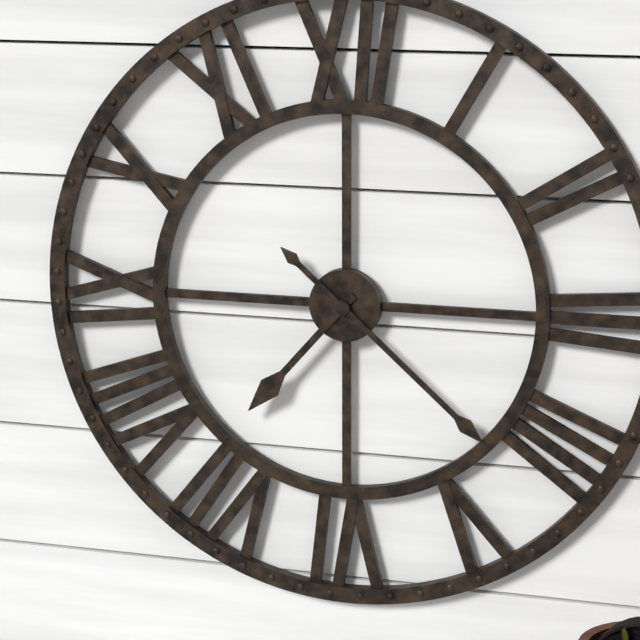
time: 7:22
